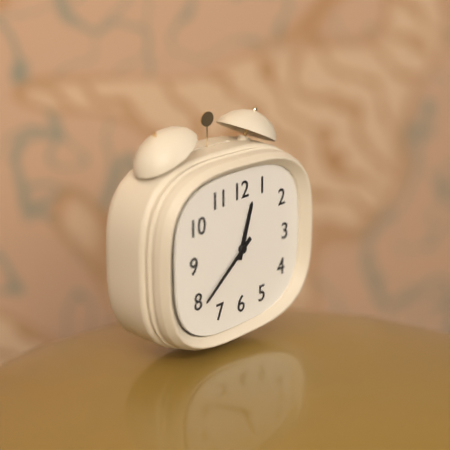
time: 12:39
